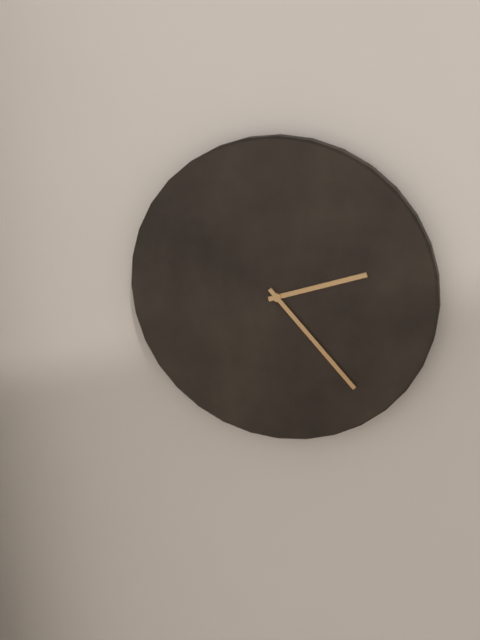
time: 2:23
